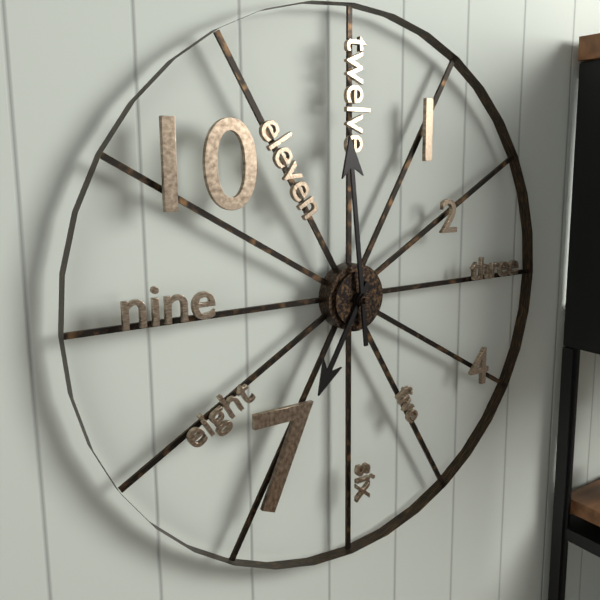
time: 6:59
